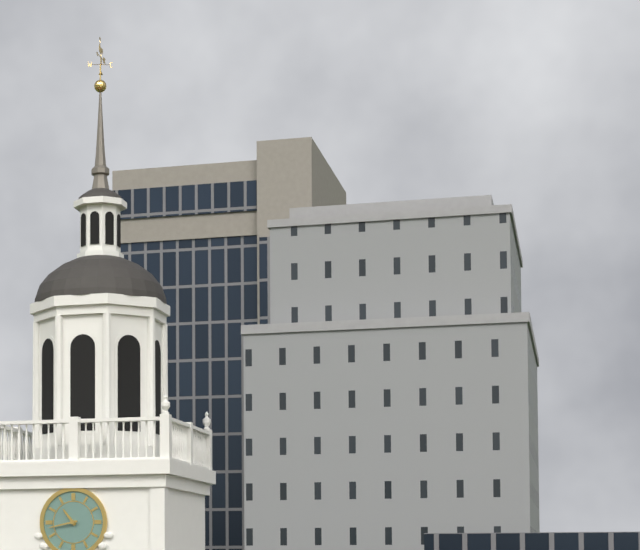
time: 10:43
